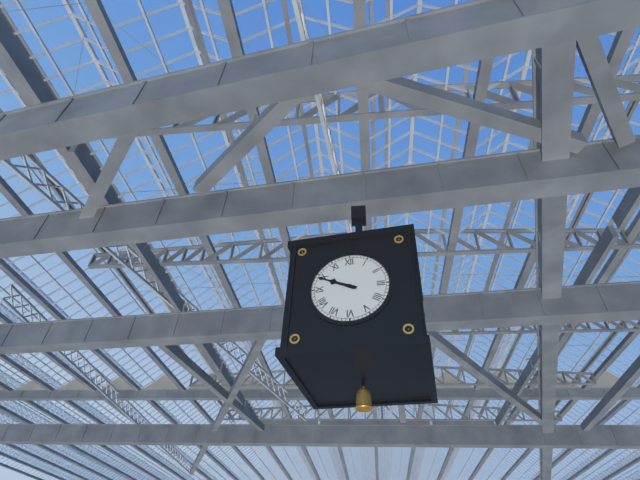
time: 9:49
